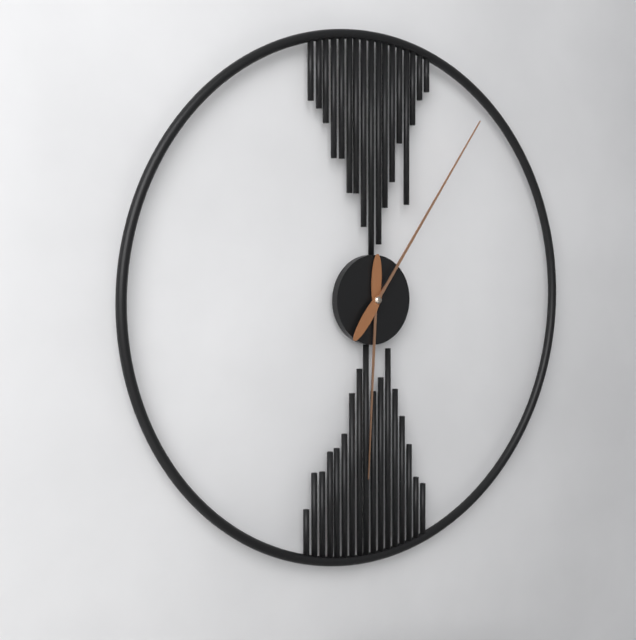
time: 6:06
